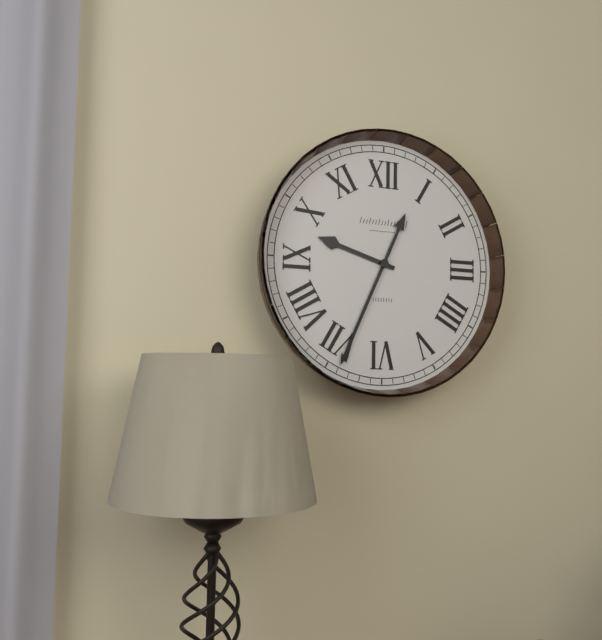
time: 9:34
